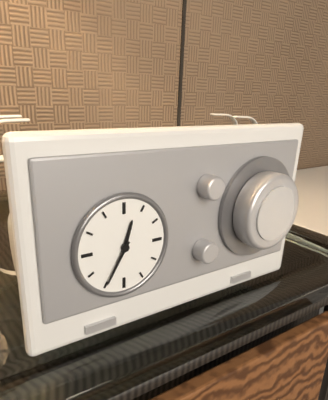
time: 12:35
